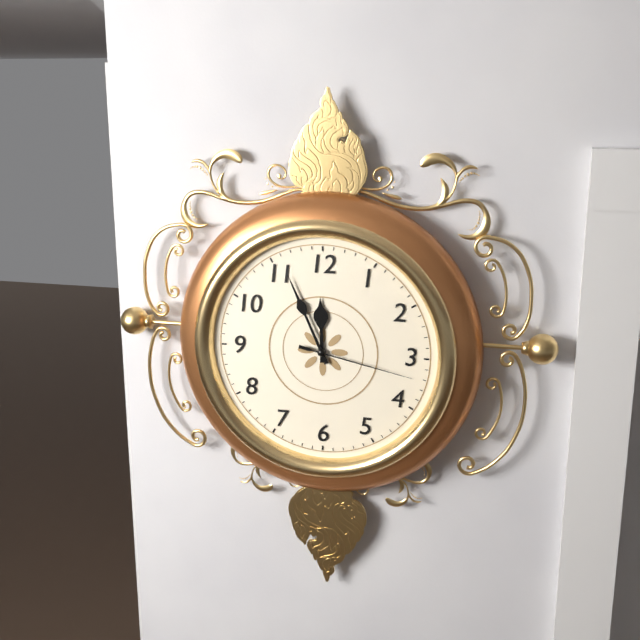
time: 11:56:17
